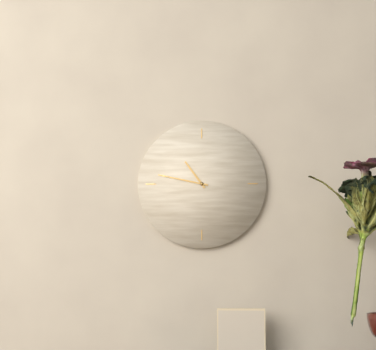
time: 10:47
